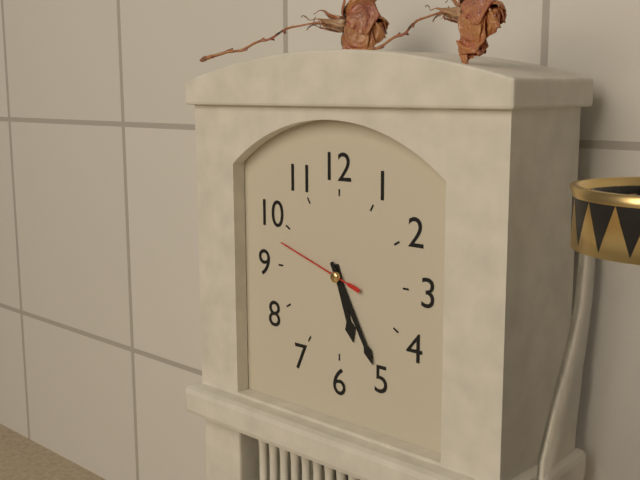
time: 5:25:48
